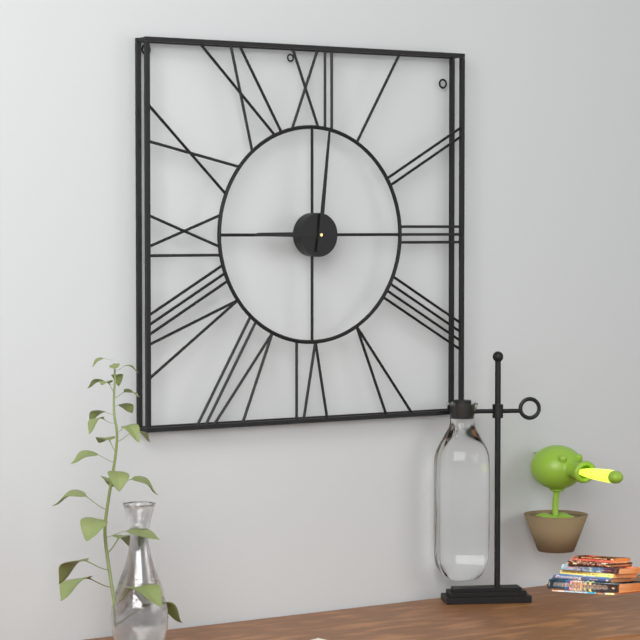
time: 9:01
